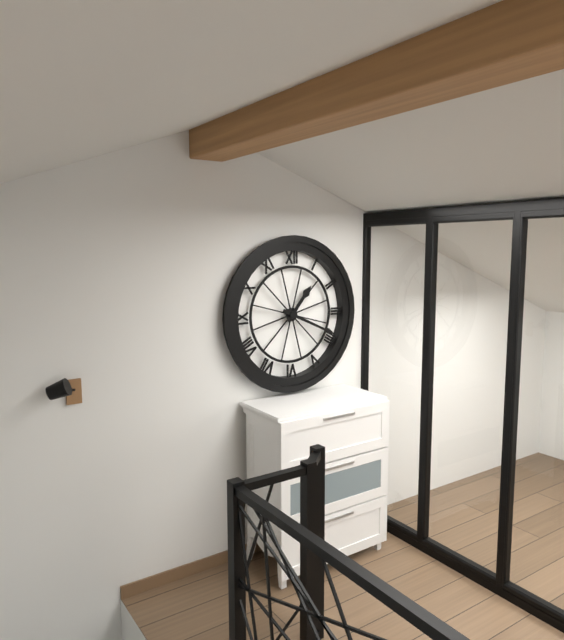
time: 1:19
